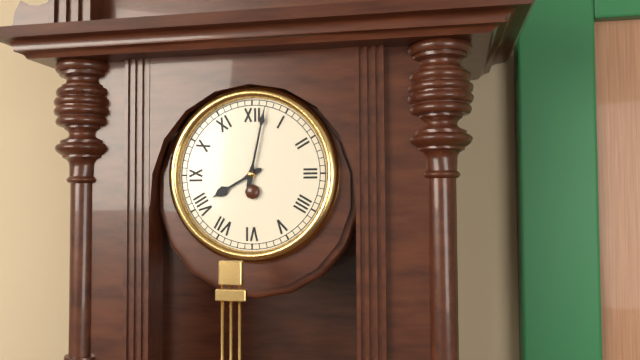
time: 8:02
